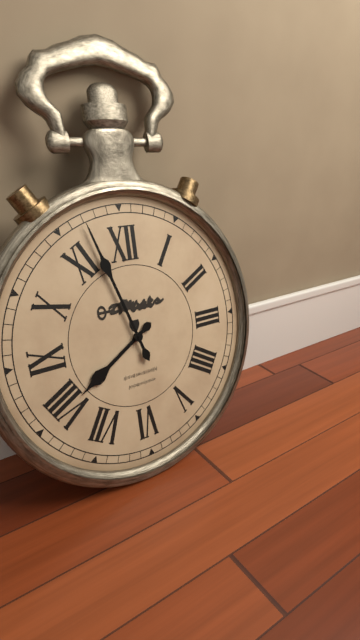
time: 7:57
